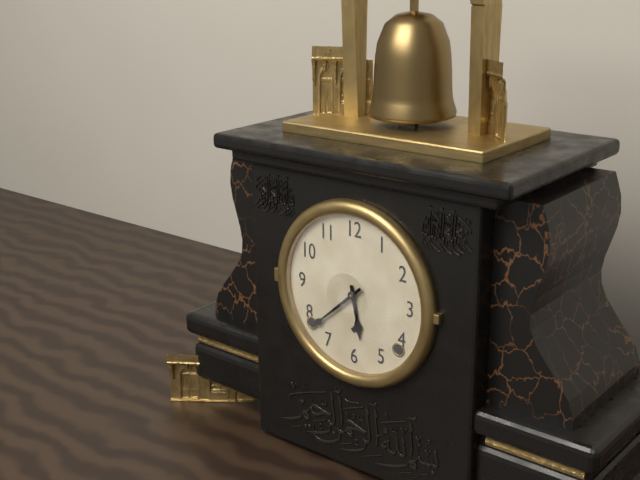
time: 5:38
